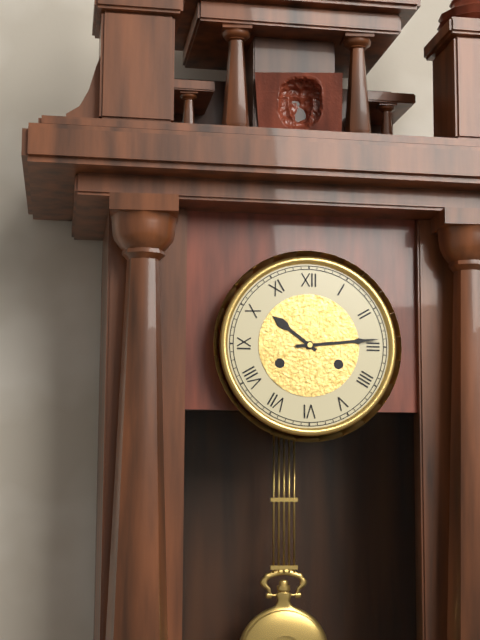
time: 10:14
